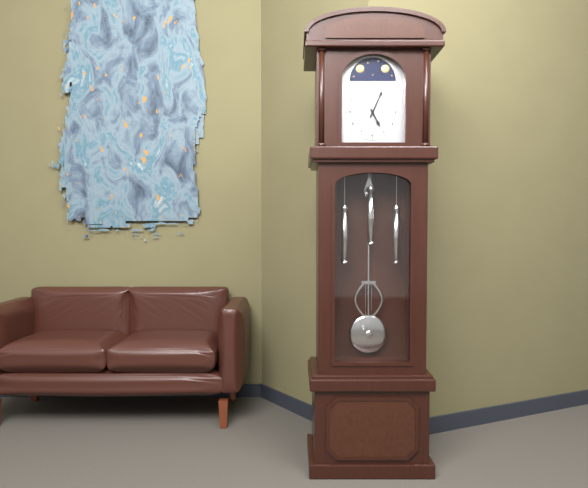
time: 5:04
